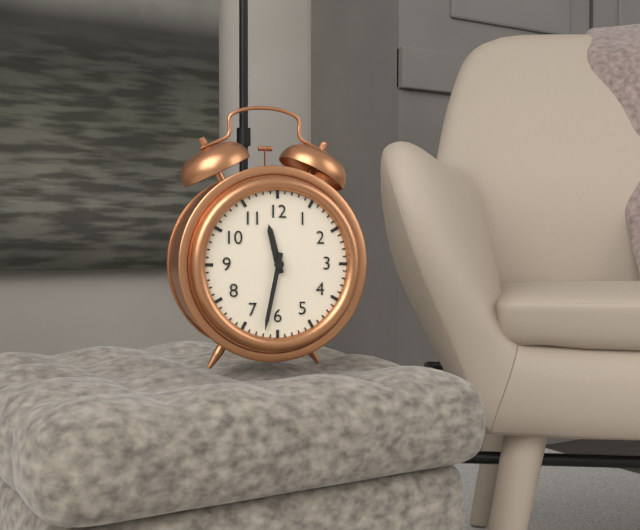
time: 11:32
